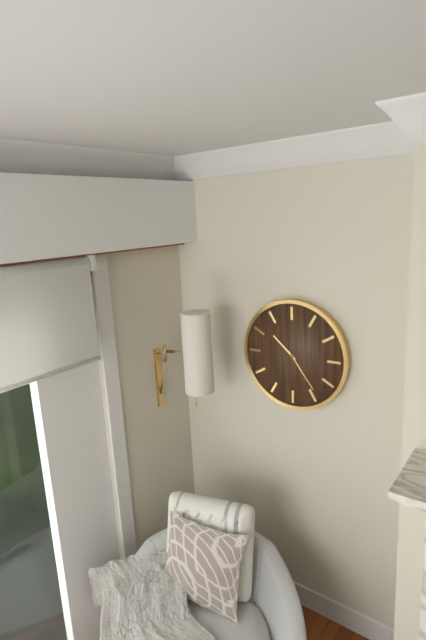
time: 10:24
